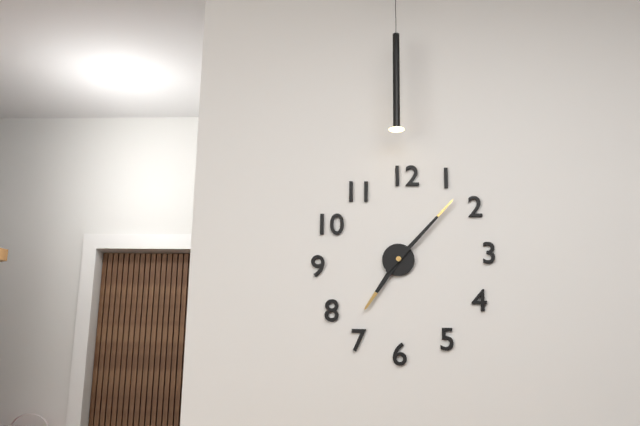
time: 7:07
